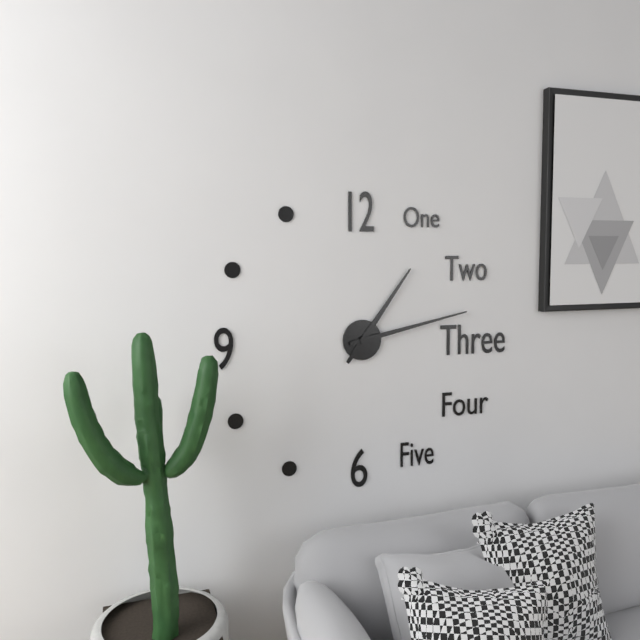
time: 1:13
